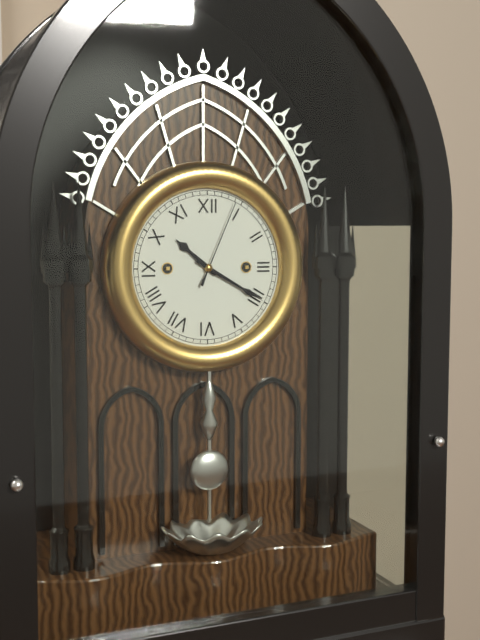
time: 10:20:04
